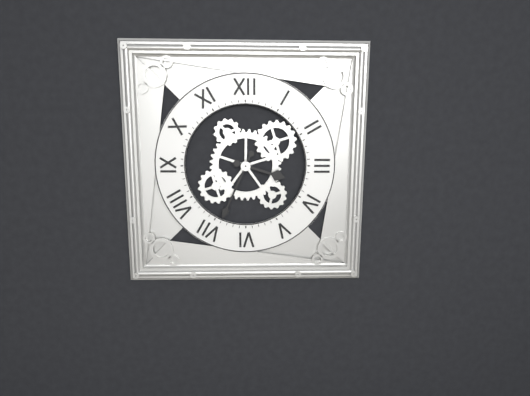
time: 3:34
